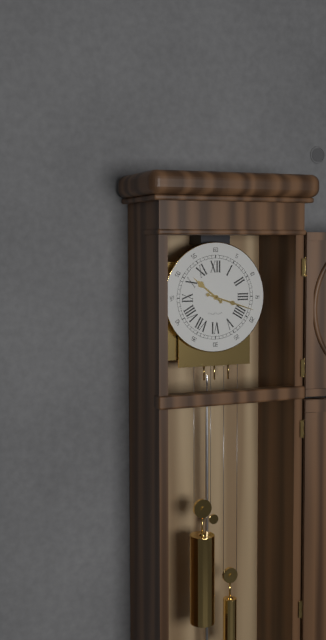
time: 10:18
